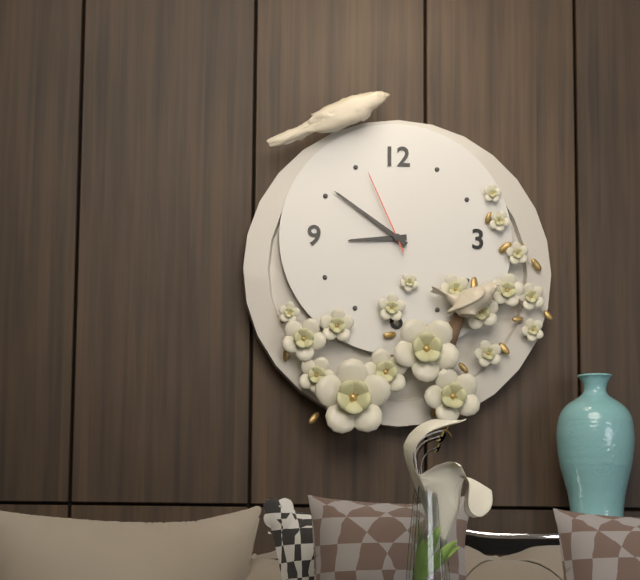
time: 8:51:56
